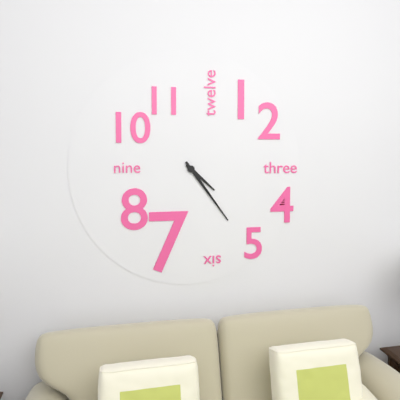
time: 4:24
